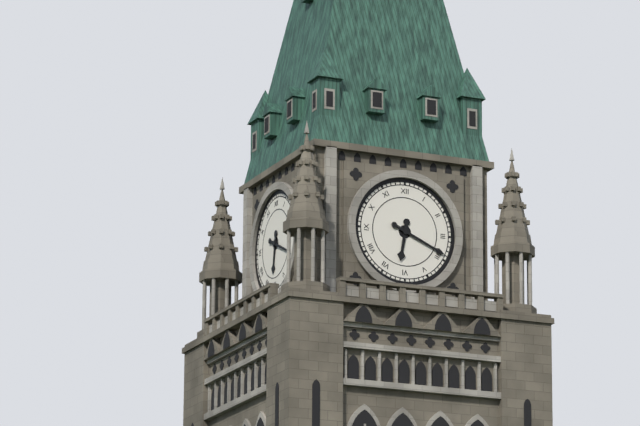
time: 6:19
